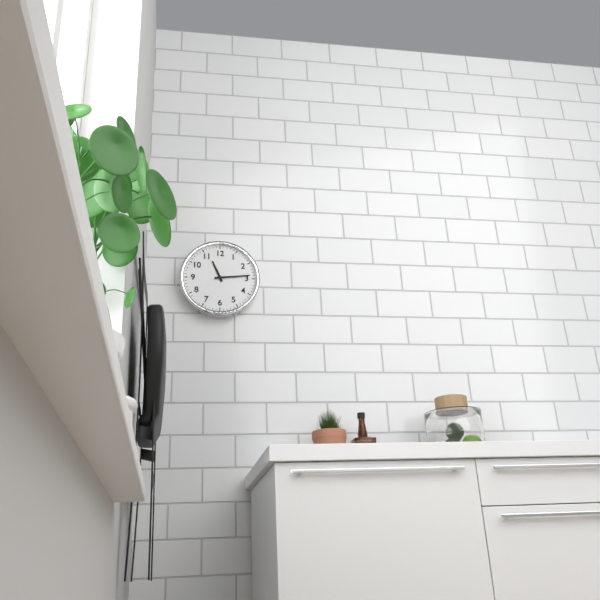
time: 11:14
